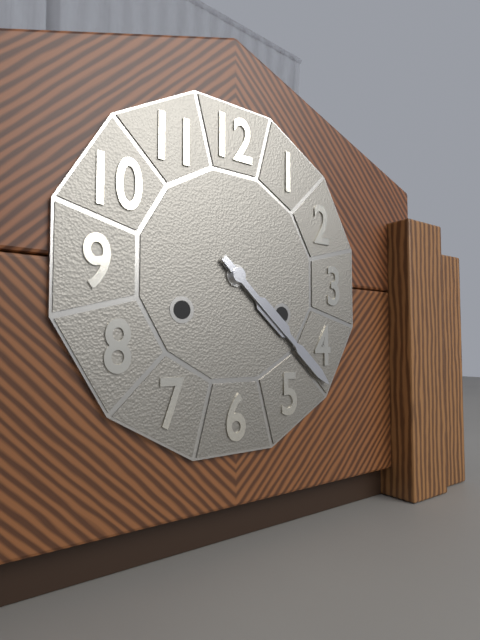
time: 4:22
